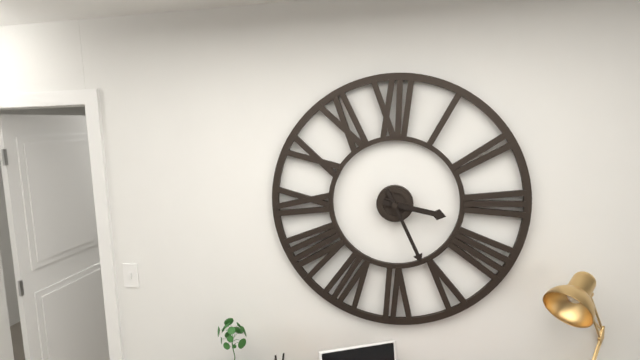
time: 3:26
